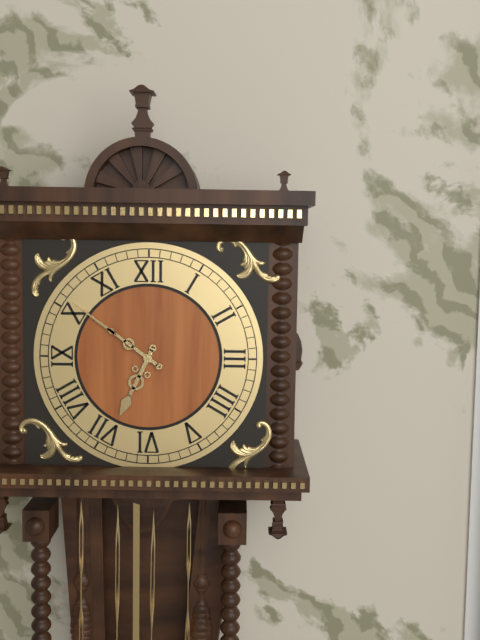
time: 6:51
